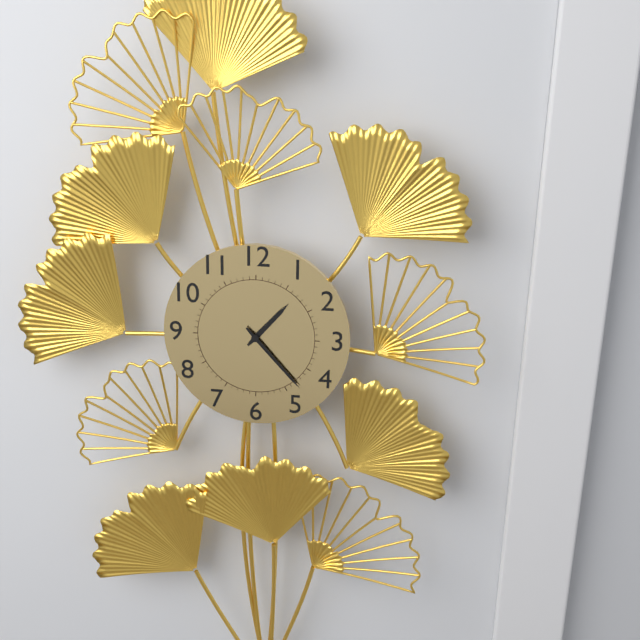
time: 1:23
